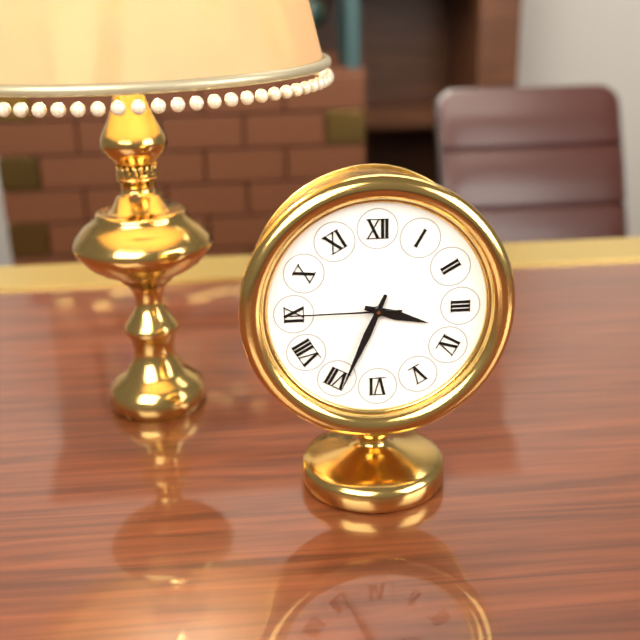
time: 3:34:45
